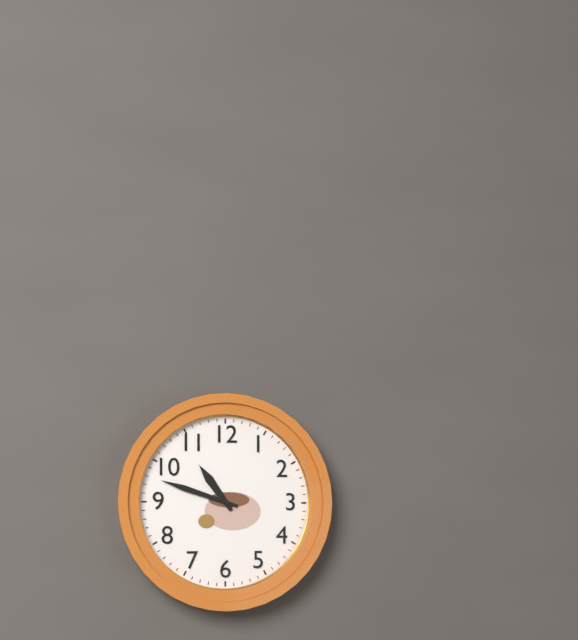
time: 10:48
